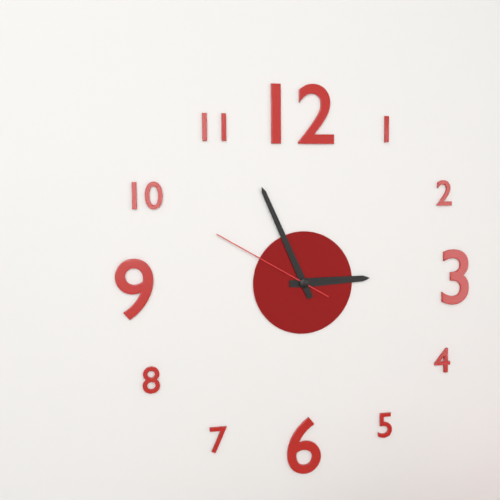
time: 2:56:50
